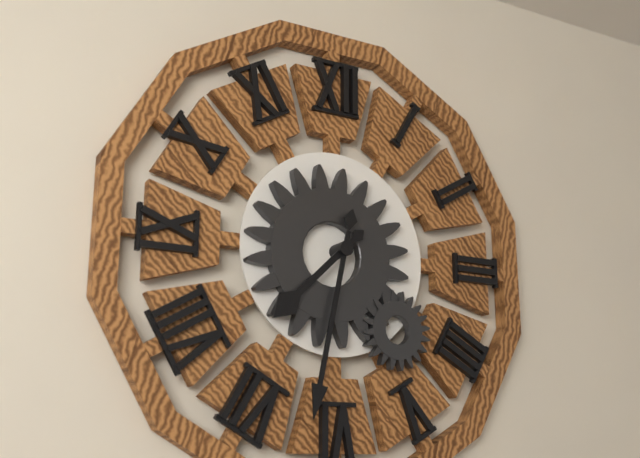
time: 7:32
